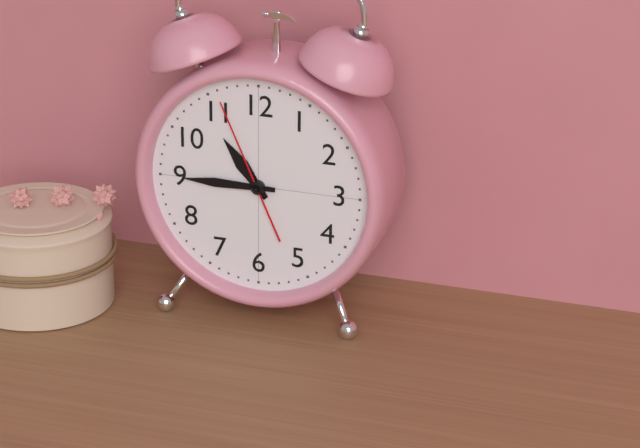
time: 10:45:56
